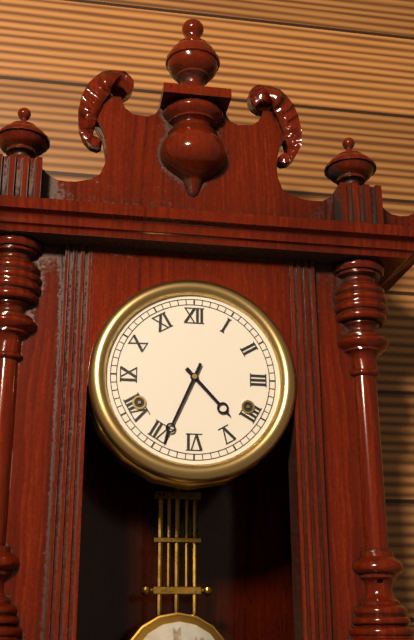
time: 4:34
